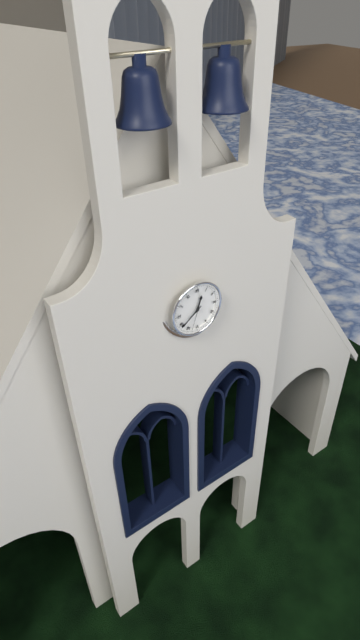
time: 12:39
